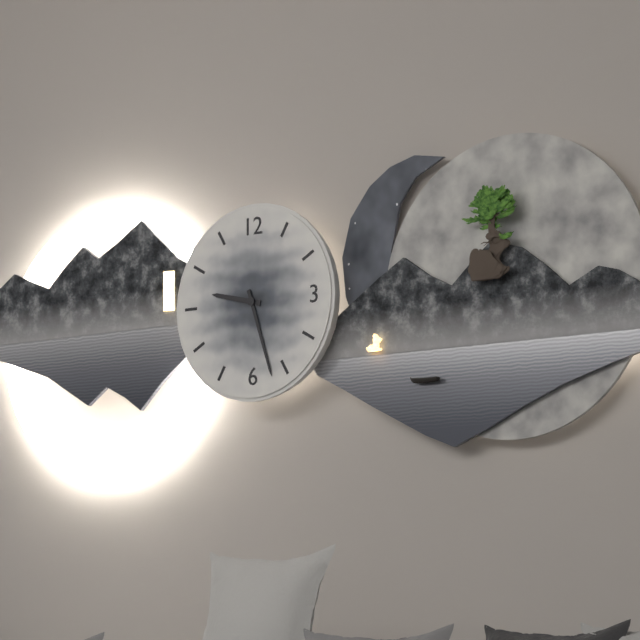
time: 9:27
